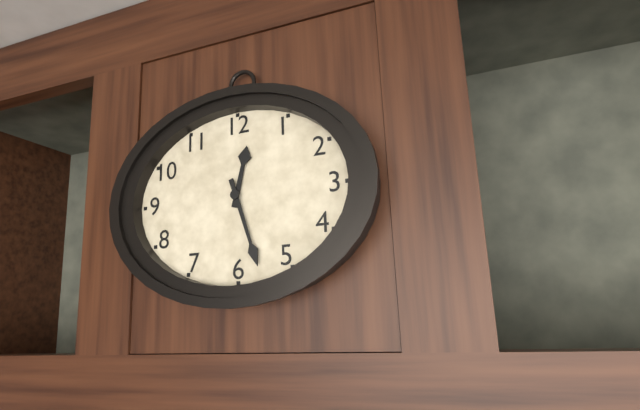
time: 12:27
